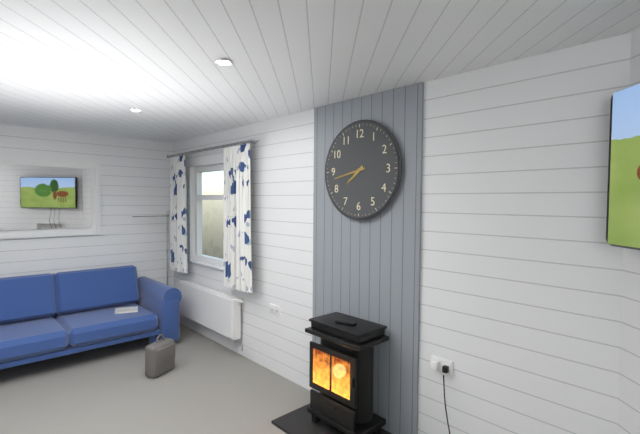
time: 7:43
